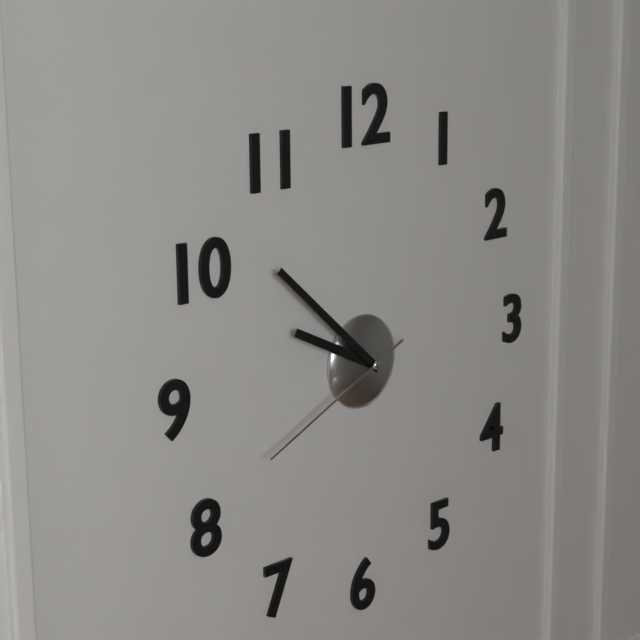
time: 9:52:41
